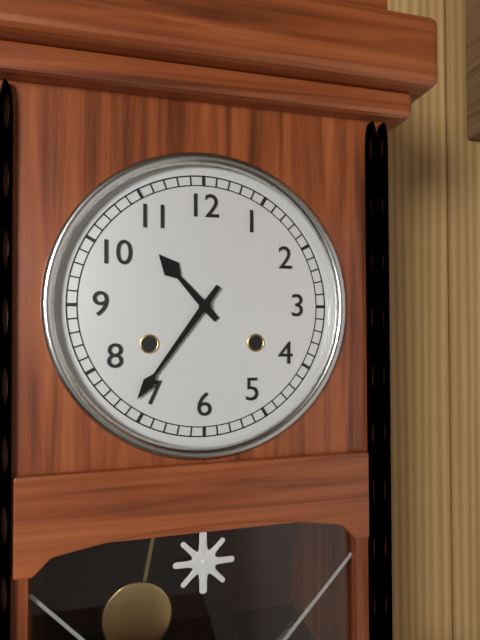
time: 10:36
